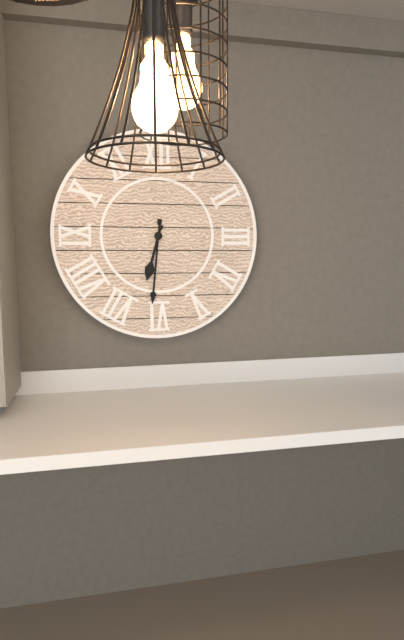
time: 6:31
